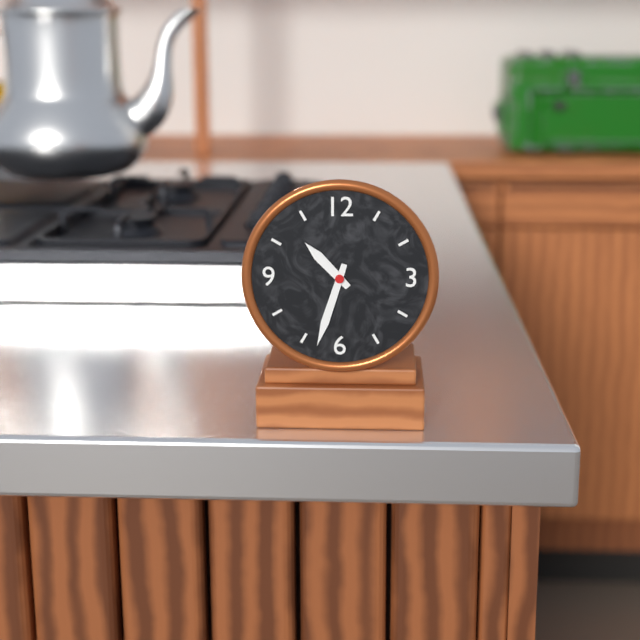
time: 10:33
